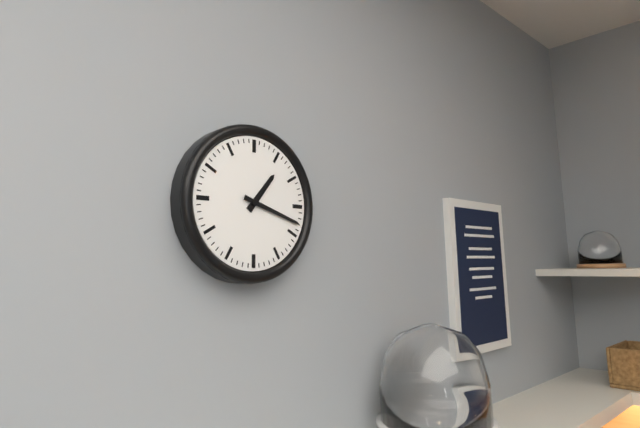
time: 1:18
